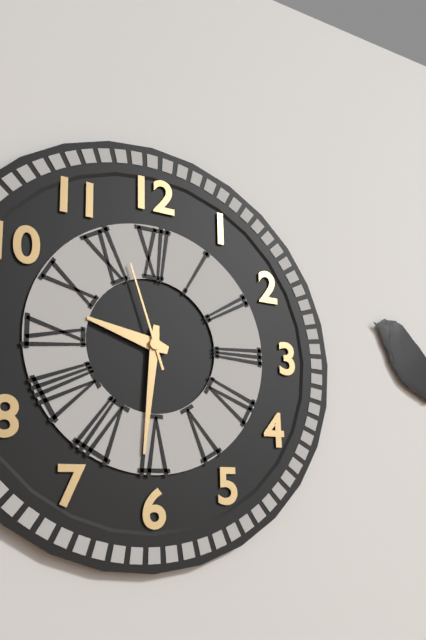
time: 9:31:57
